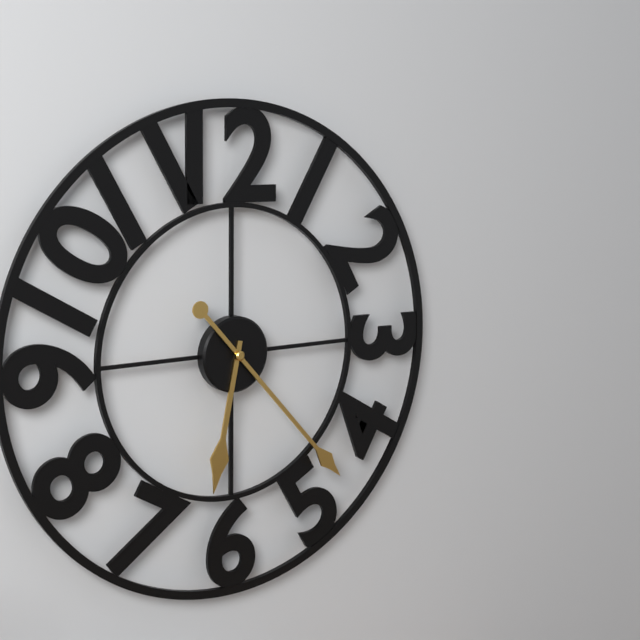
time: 6:23
